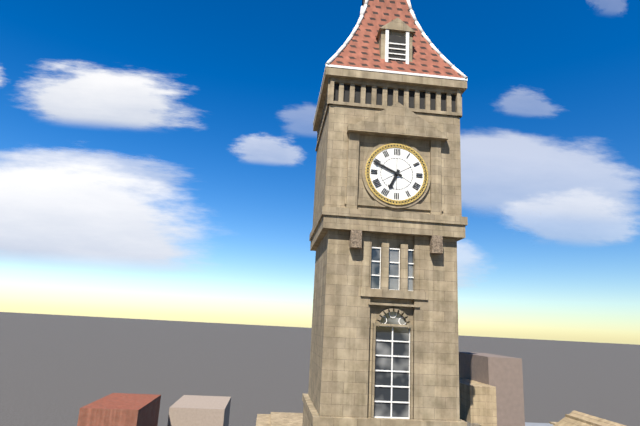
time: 6:49
